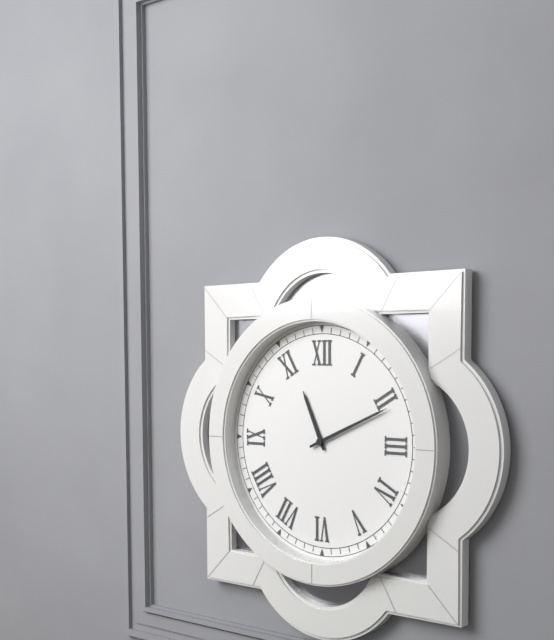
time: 11:11
